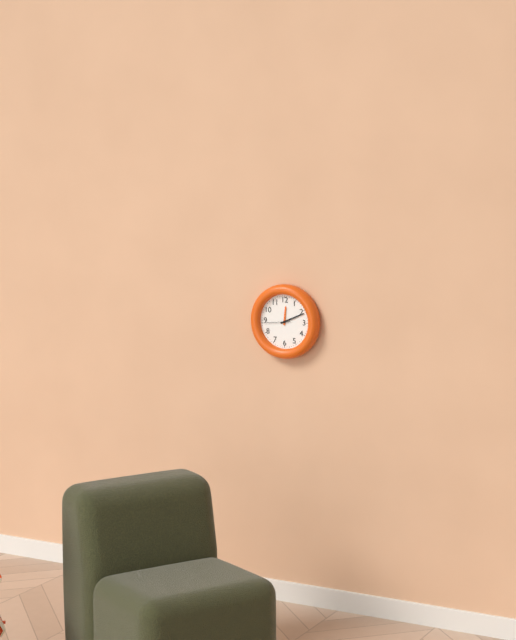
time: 12:11
